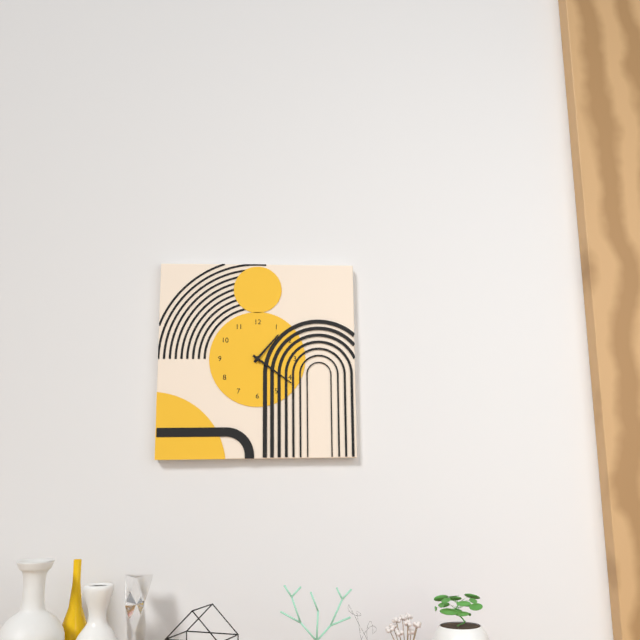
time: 1:21
